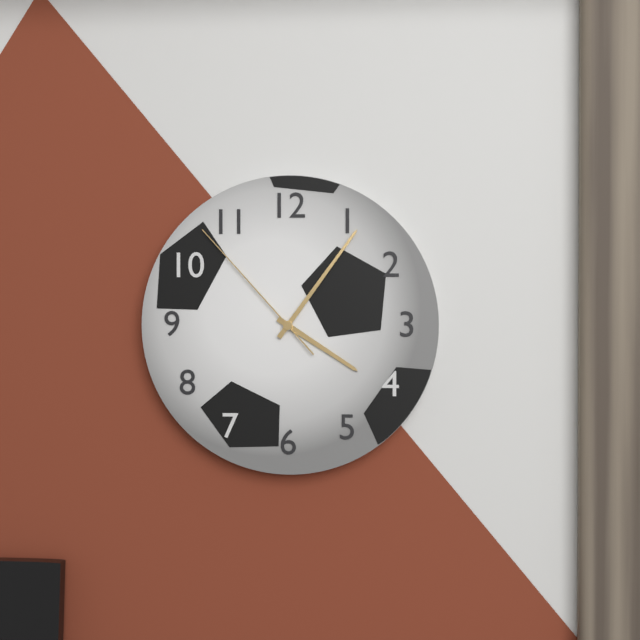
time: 4:06:53
